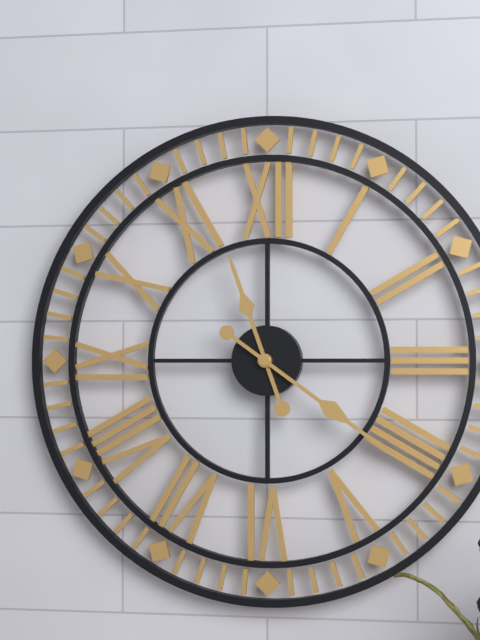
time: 11:21
